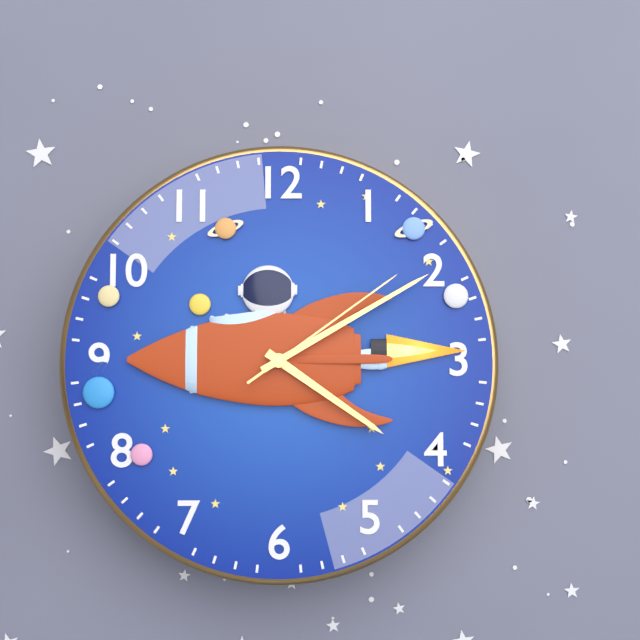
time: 4:10:09
